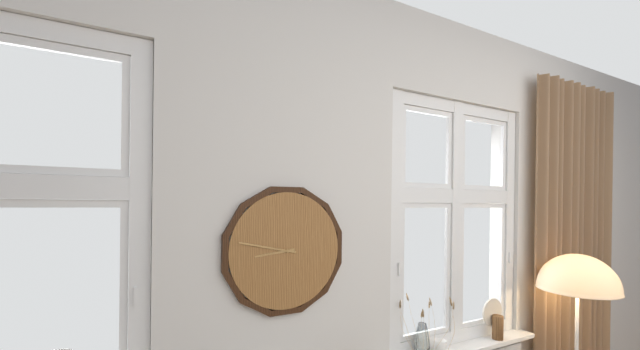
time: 8:47
